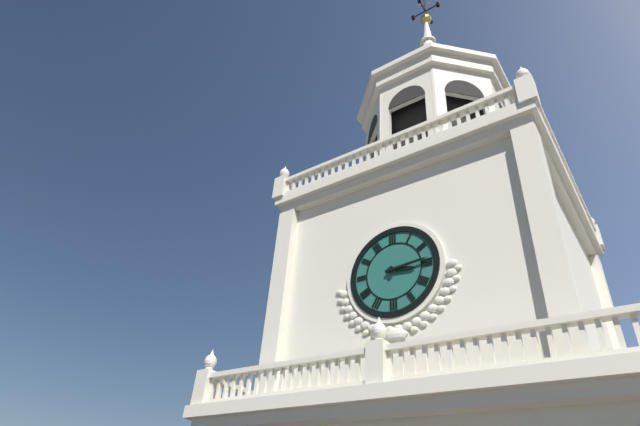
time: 3:14
